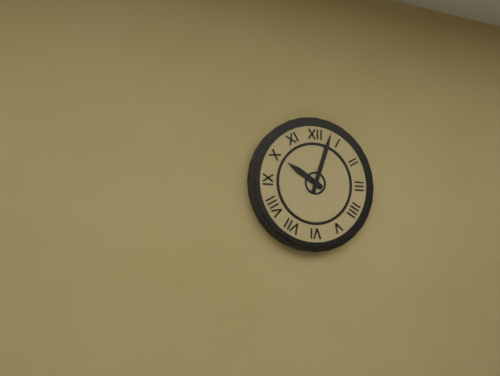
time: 10:03
